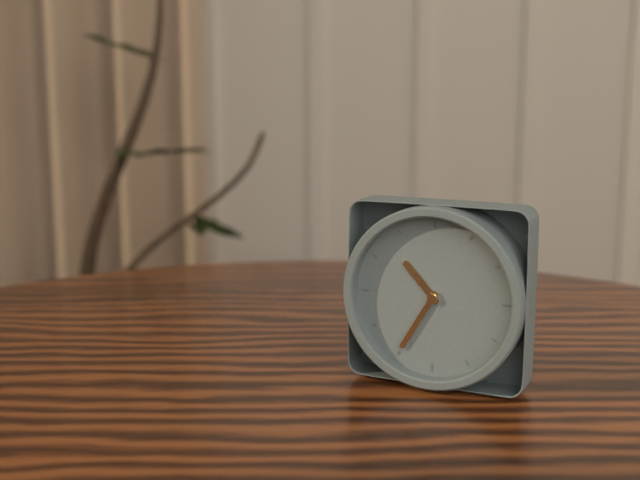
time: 10:35
